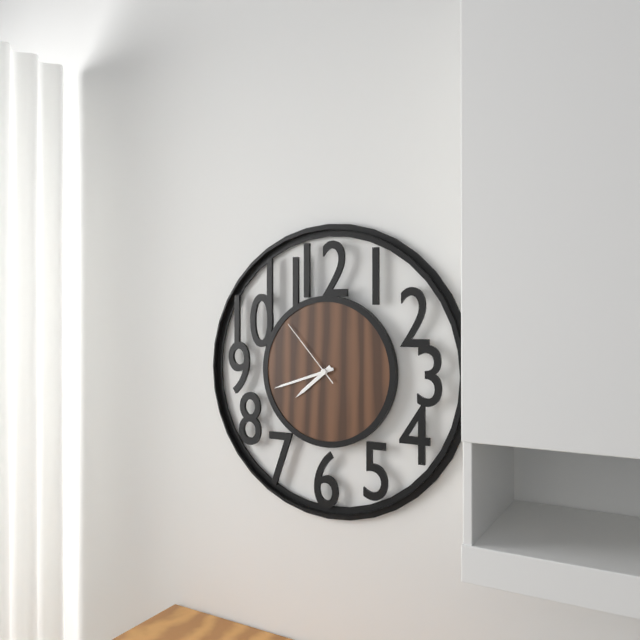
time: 7:42:53
